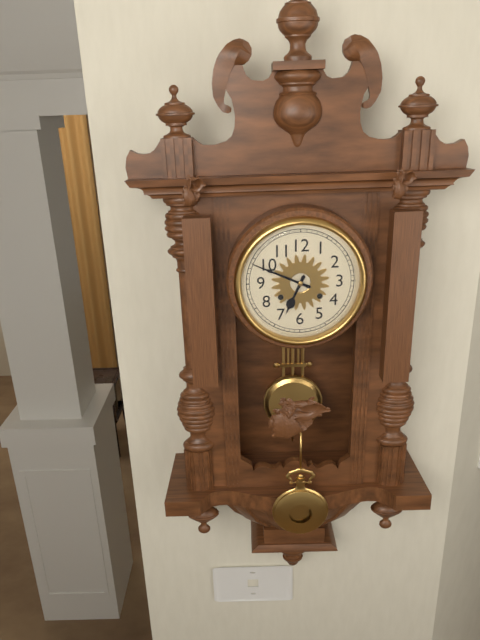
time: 6:49
